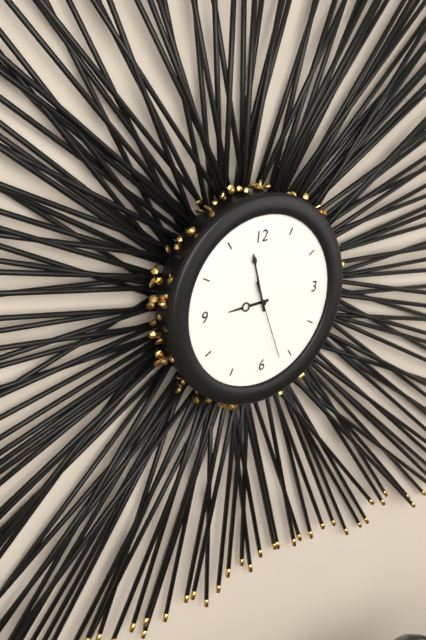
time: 8:58:27
